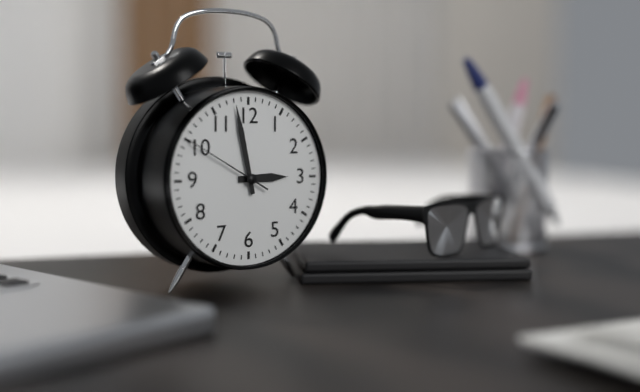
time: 2:58:50
